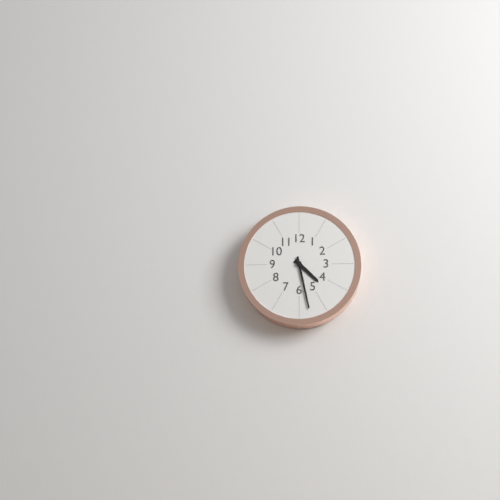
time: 4:28
